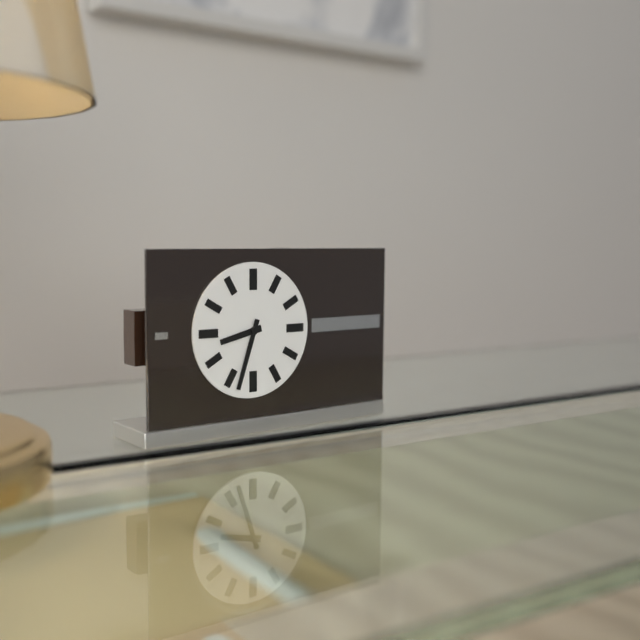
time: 8:33
